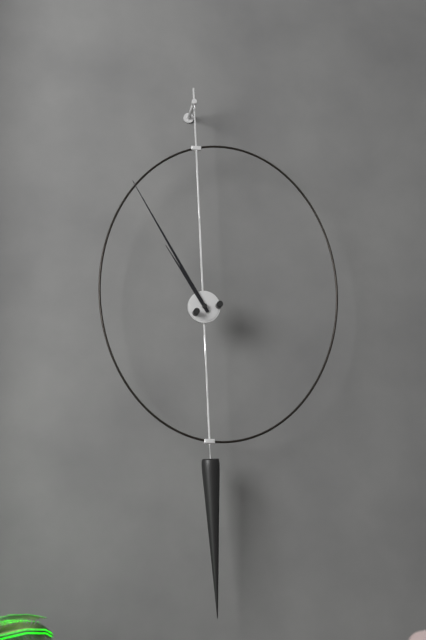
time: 10:55
